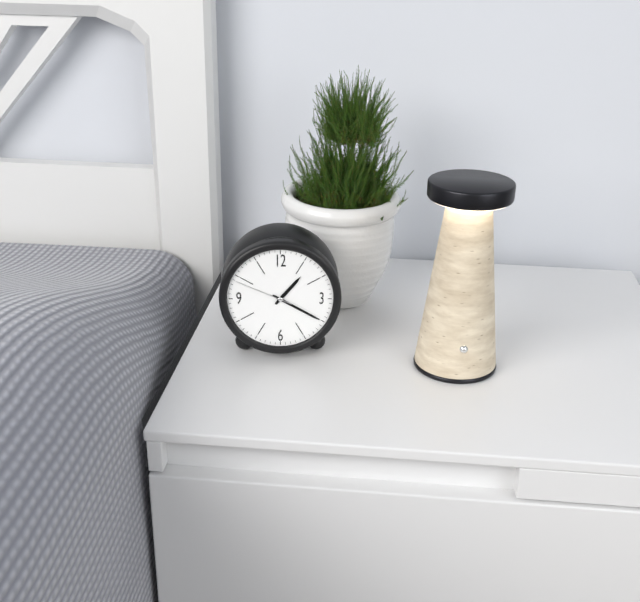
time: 1:20:49
